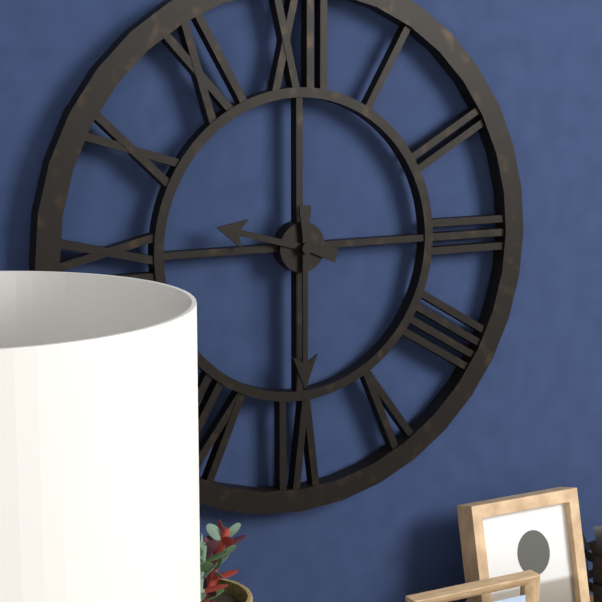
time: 9:30
